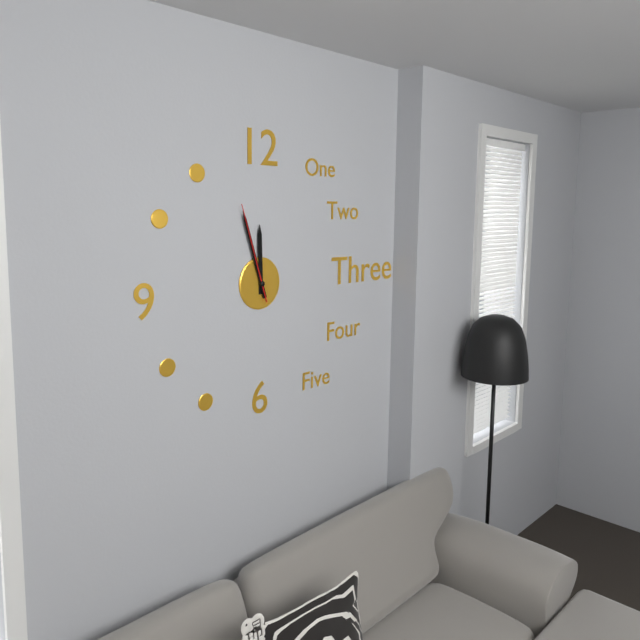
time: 11:57:57
